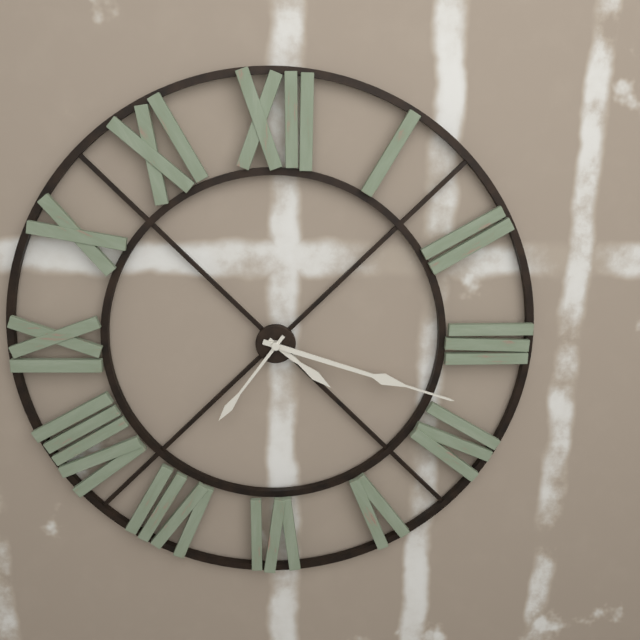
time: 4:18:36
